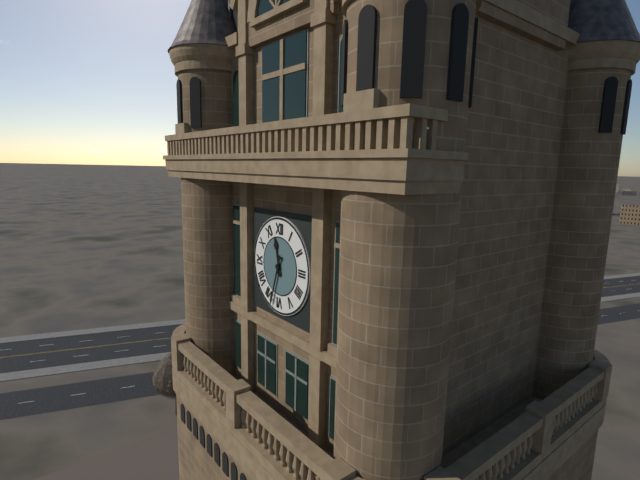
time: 11:33
